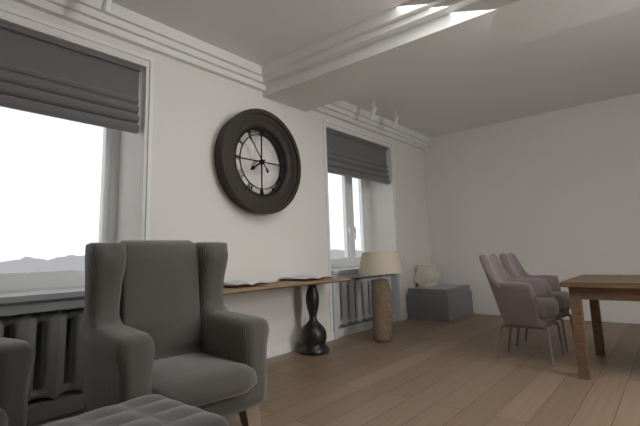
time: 7:54
